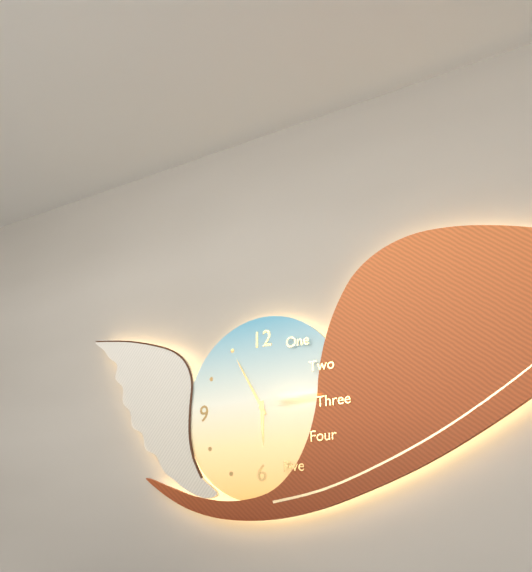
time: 5:55
